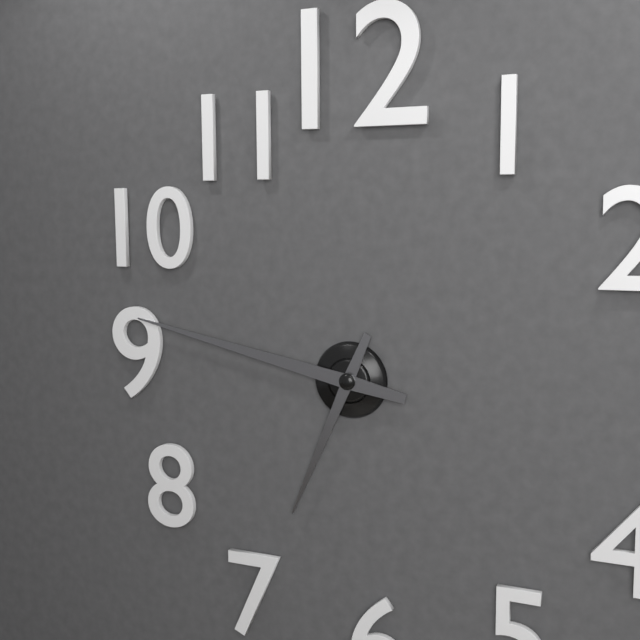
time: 6:47
